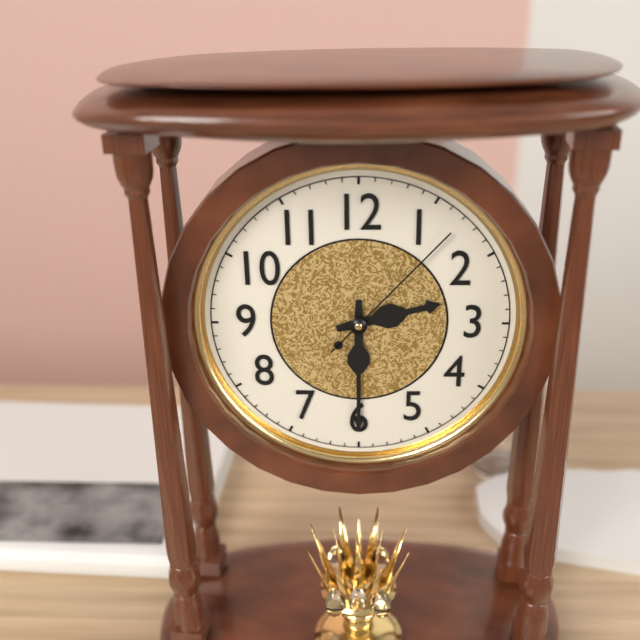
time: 2:30:07
